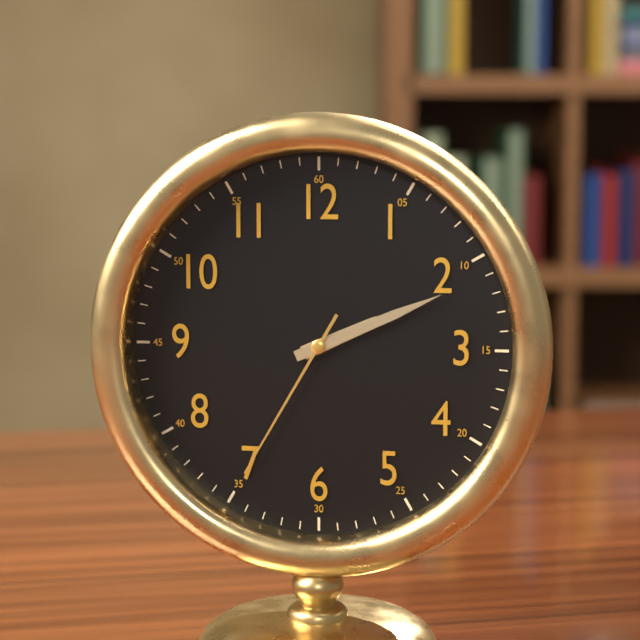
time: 2:11:35
